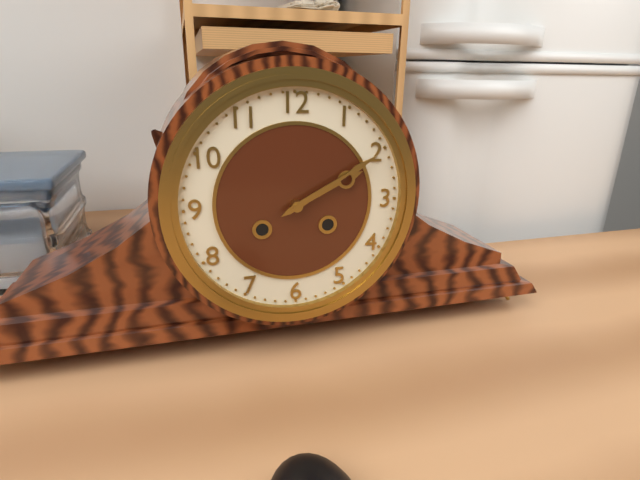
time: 2:10
